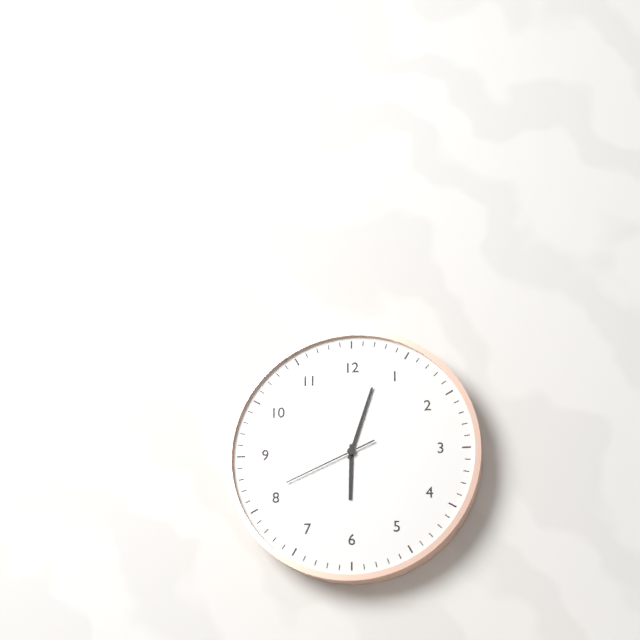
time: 6:03:41
